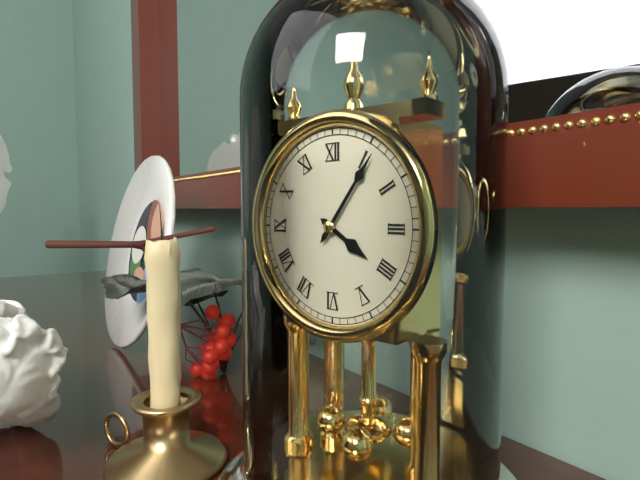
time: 4:06
